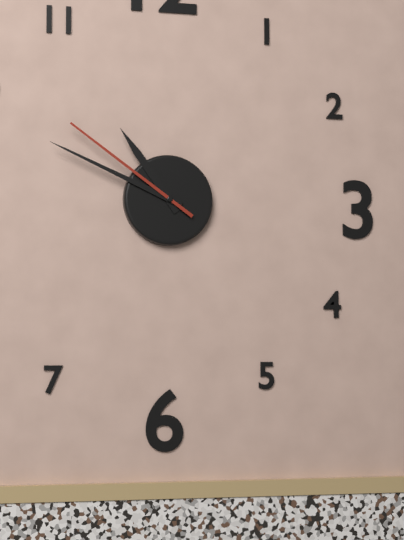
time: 10:49:51
